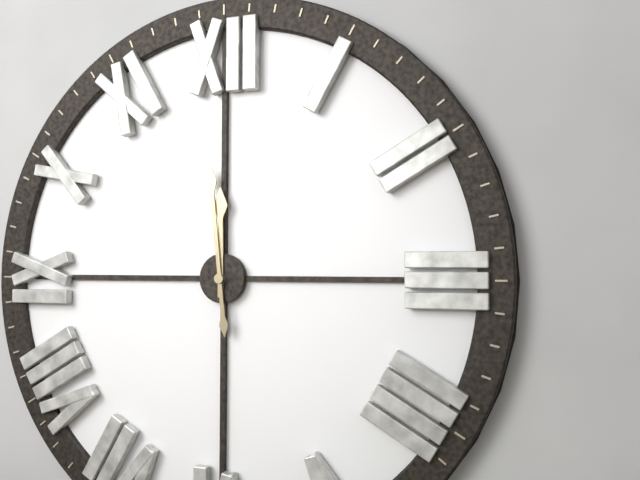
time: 11:59
